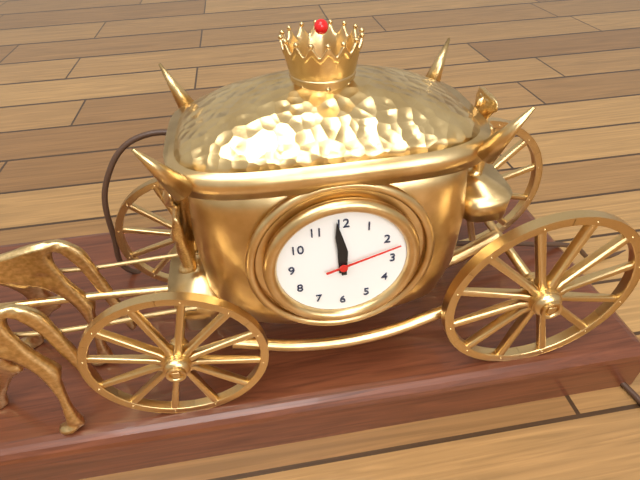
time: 11:59:12
